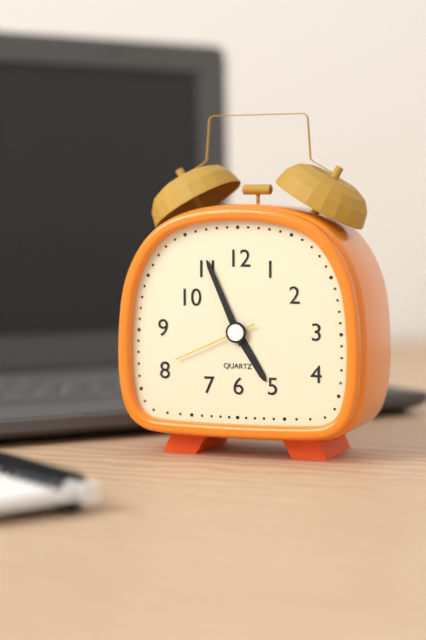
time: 4:56:41
